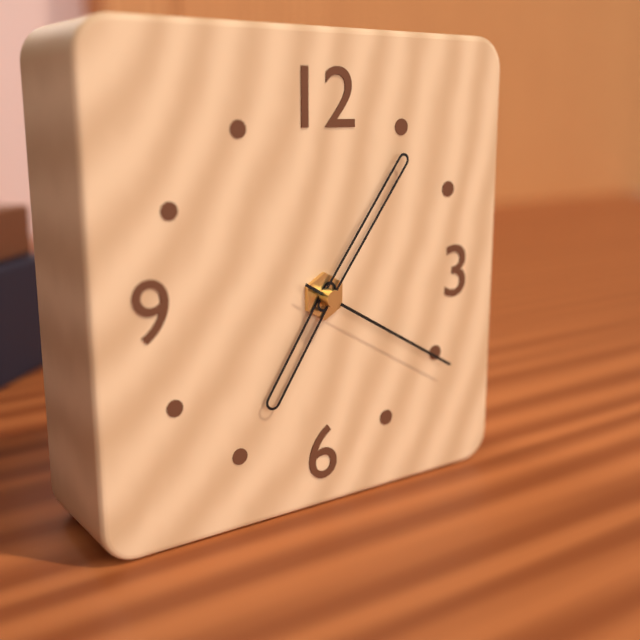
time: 7:06:20
